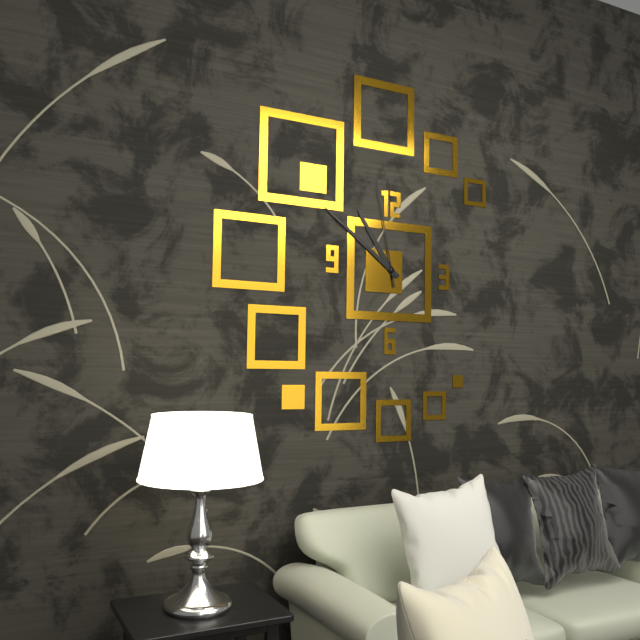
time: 10:51:58
